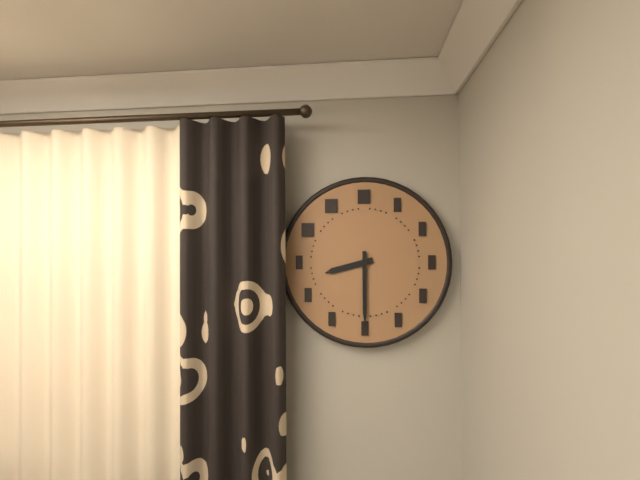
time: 8:30
